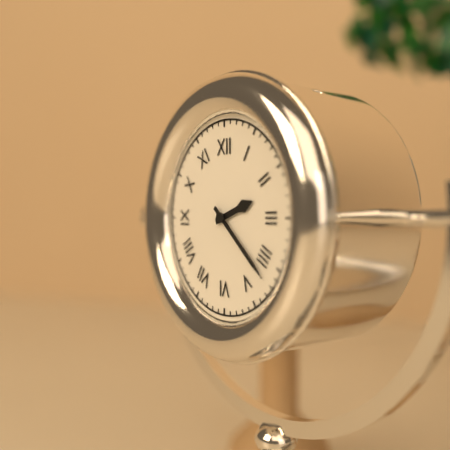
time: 2:22
